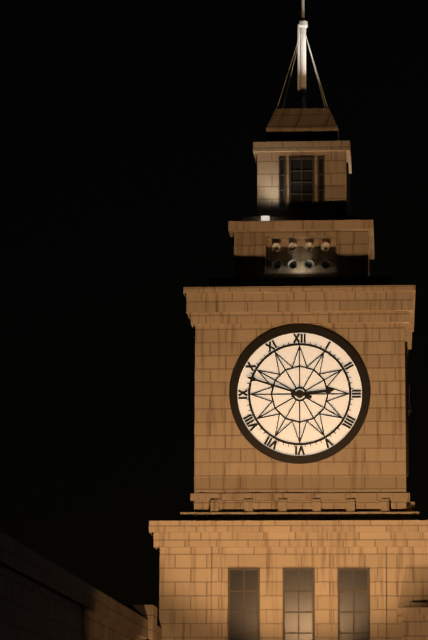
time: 2:48
